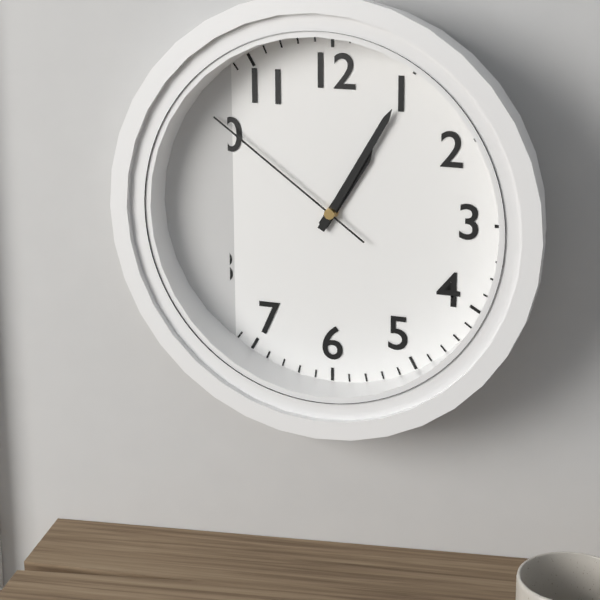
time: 1:05:51
